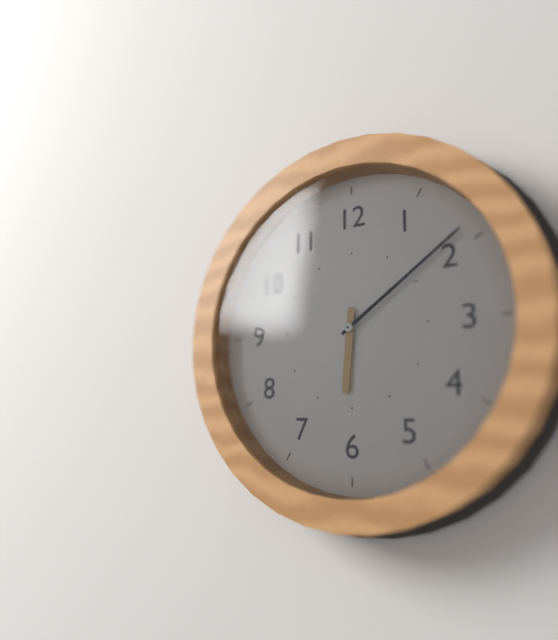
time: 6:09
